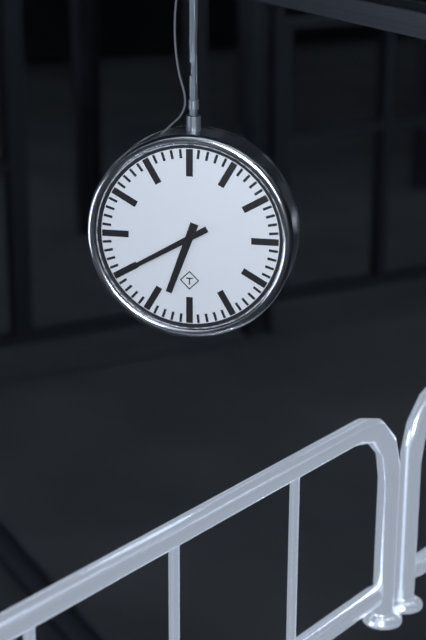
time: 6:40
